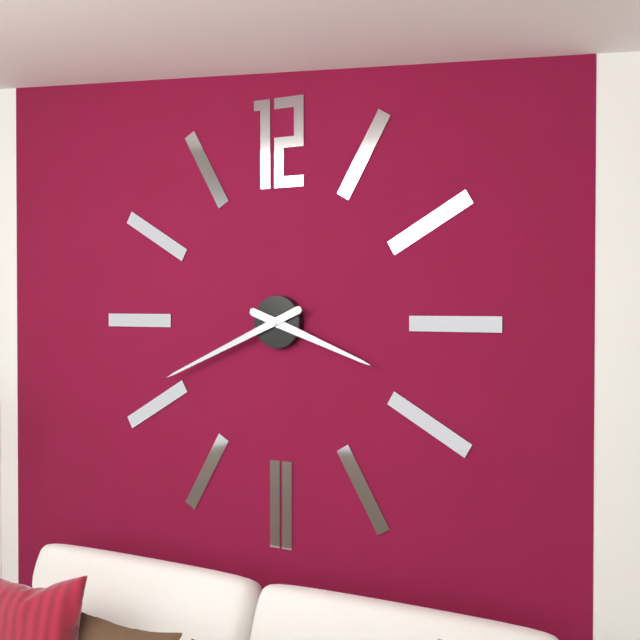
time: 3:41
